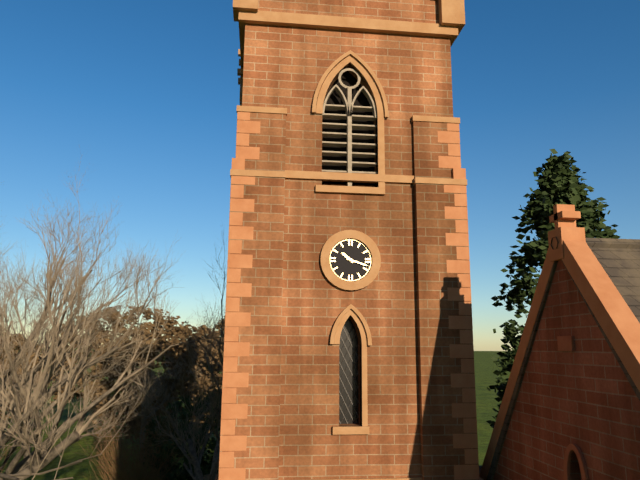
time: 10:18
